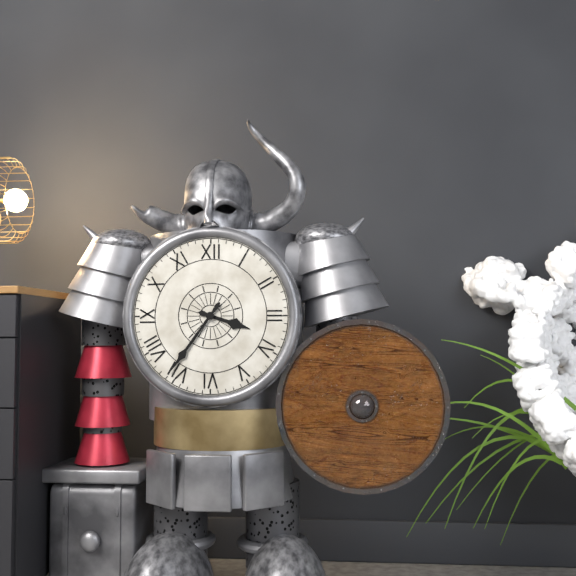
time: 3:36
